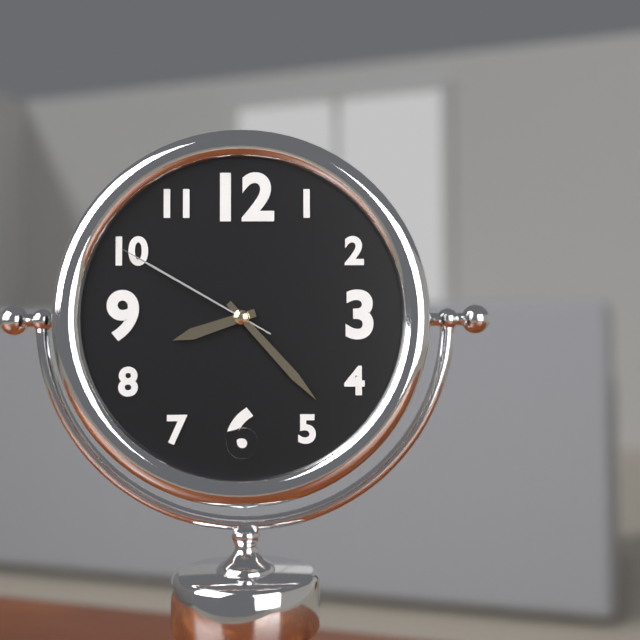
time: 8:23:50
